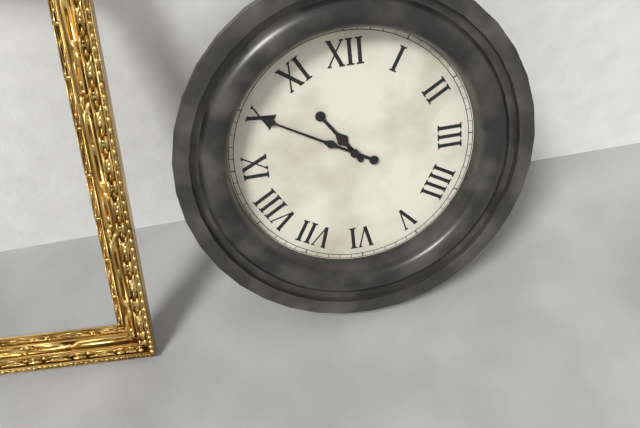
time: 10:50
